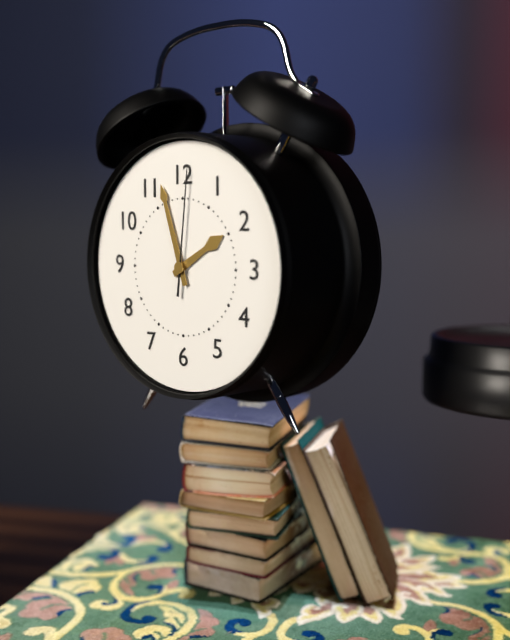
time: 1:57:01
